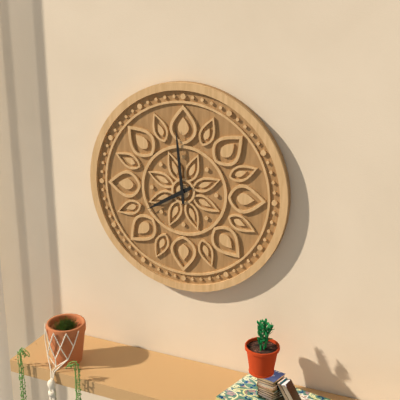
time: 7:59
